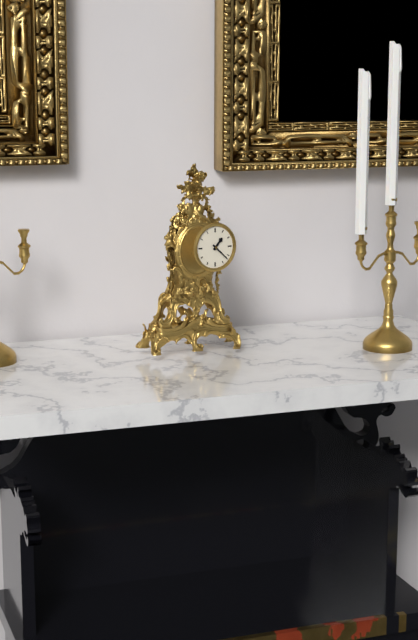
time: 1:22
